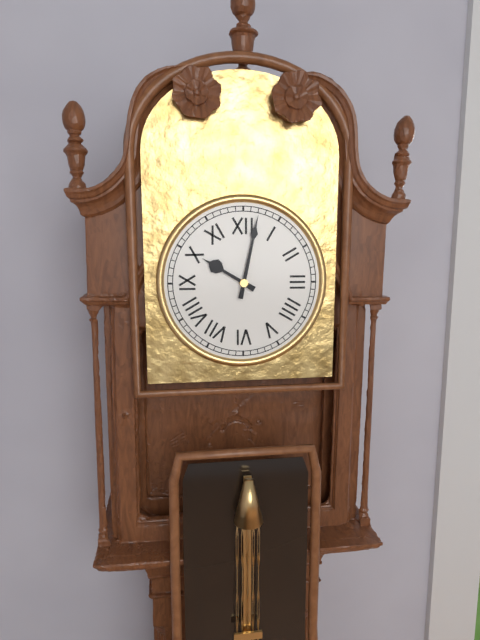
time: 10:02
